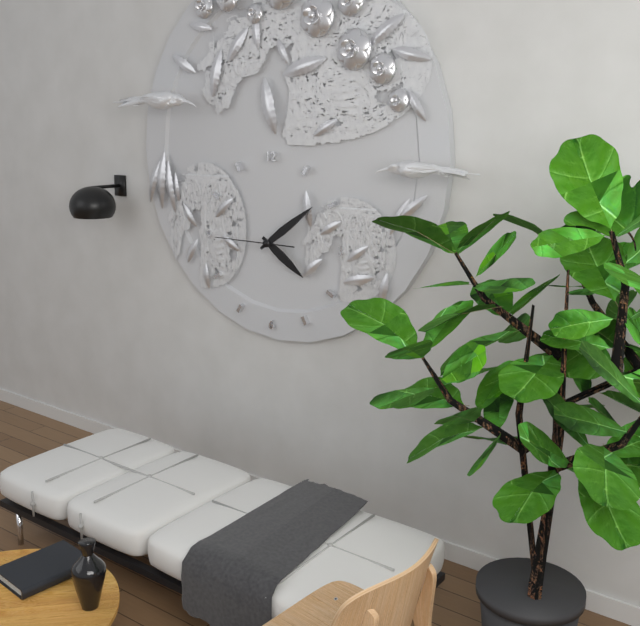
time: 4:09:45
